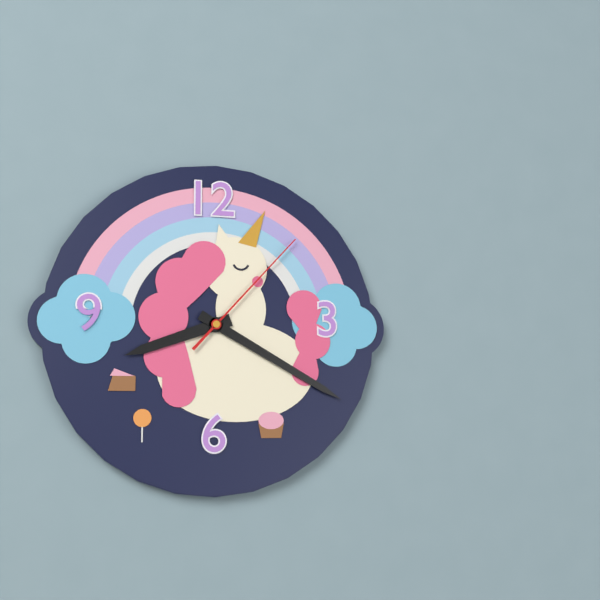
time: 8:20:07
